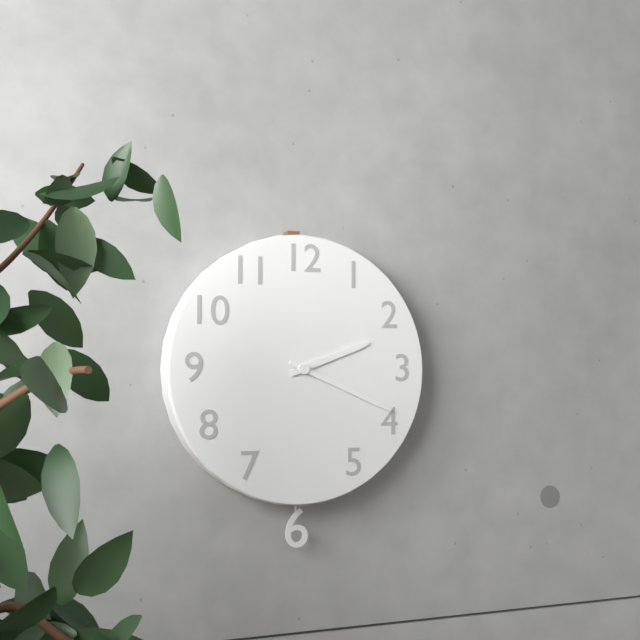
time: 2:19
